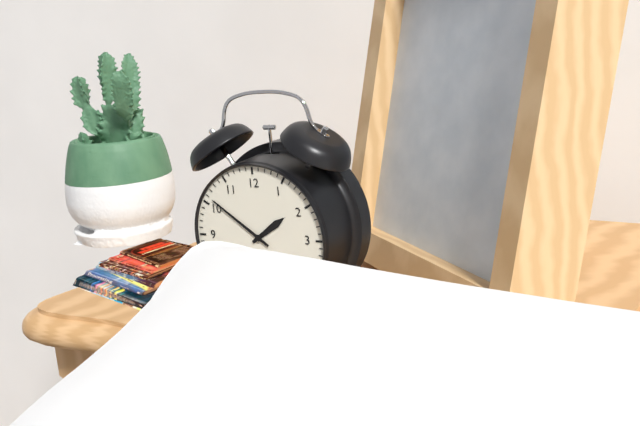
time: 1:51
